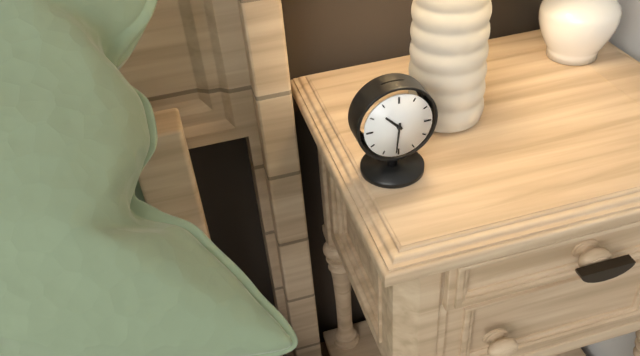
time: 10:31
